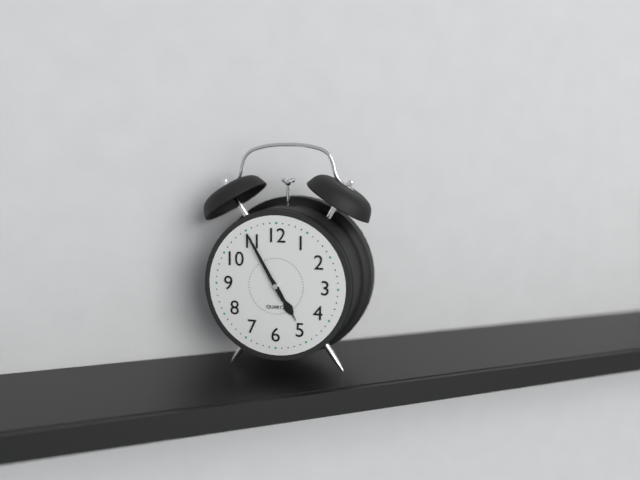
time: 4:55
